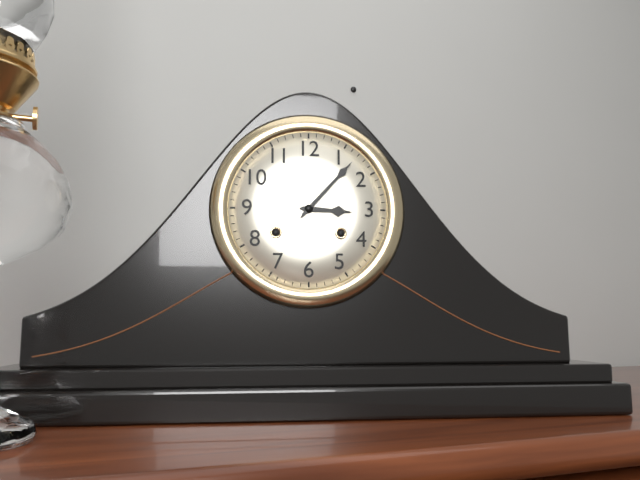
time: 3:07
